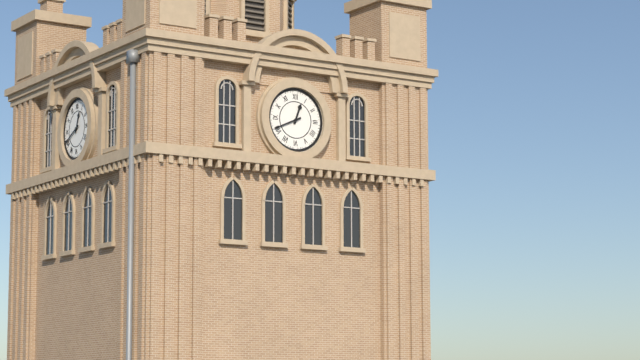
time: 12:41
